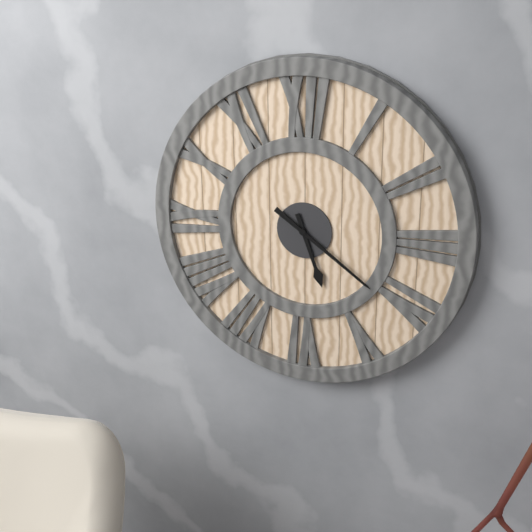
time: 5:21
